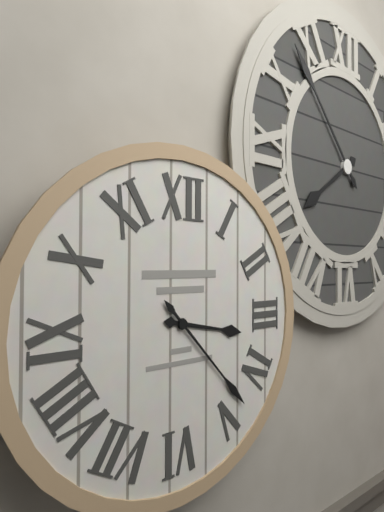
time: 3:23
